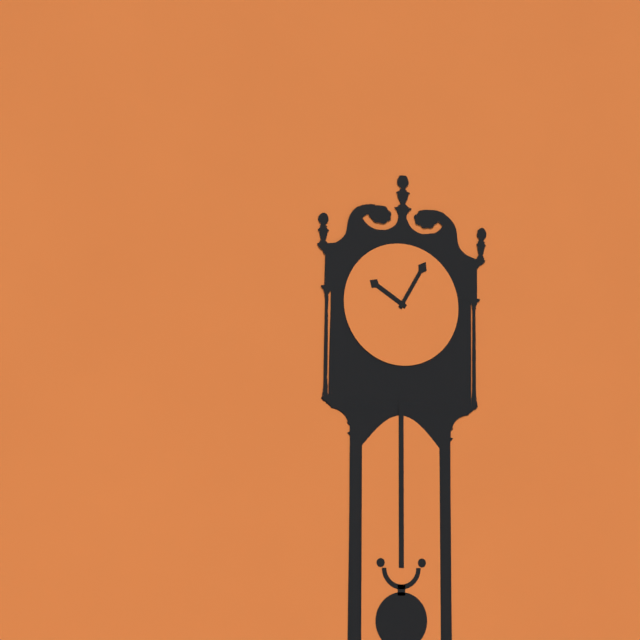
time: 10:05
